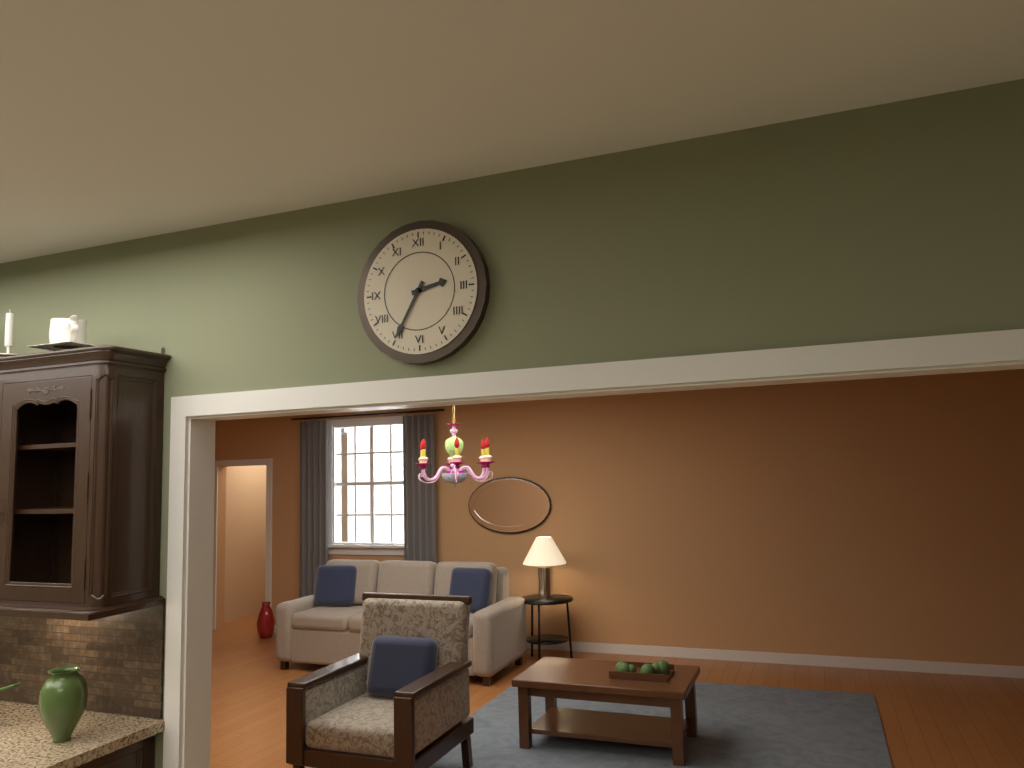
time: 2:35
